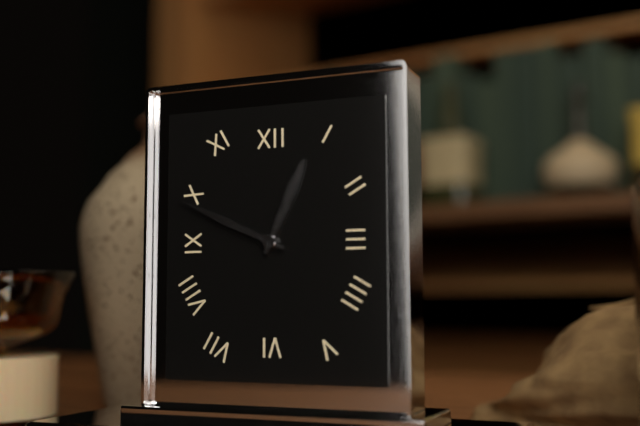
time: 12:49
